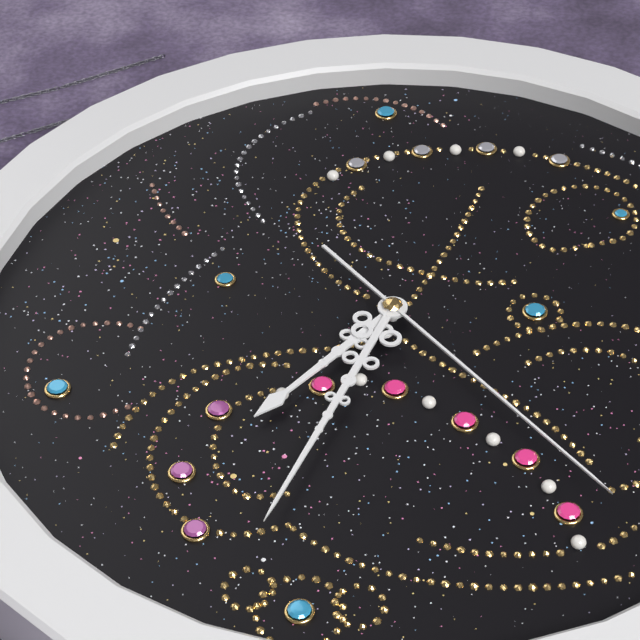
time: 1:02:52
